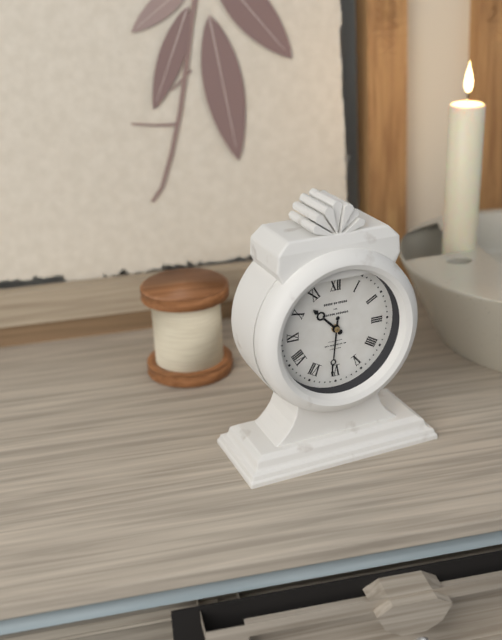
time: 10:31
